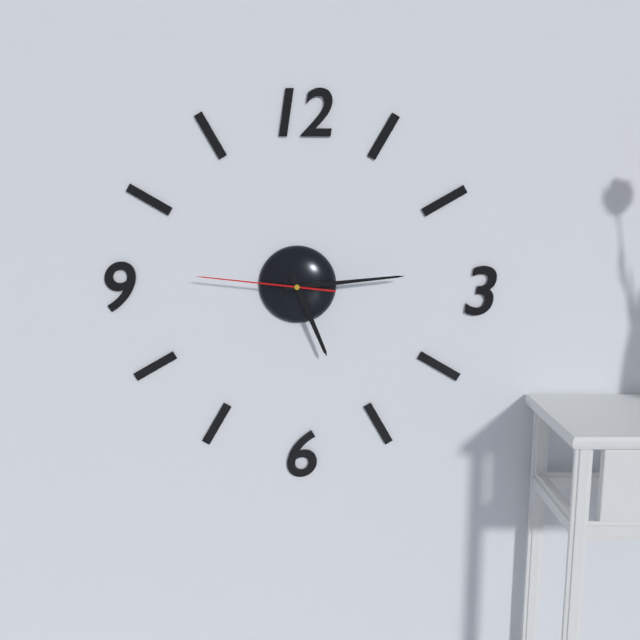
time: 5:14:46
